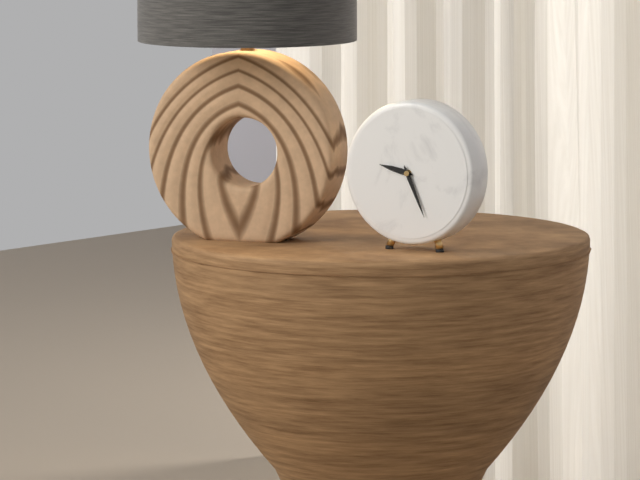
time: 9:26
